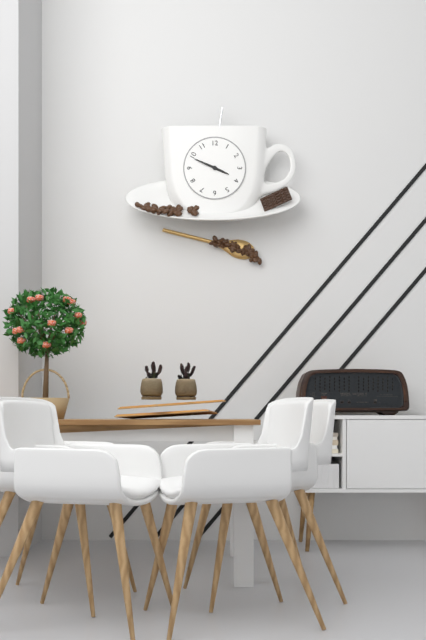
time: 3:49
